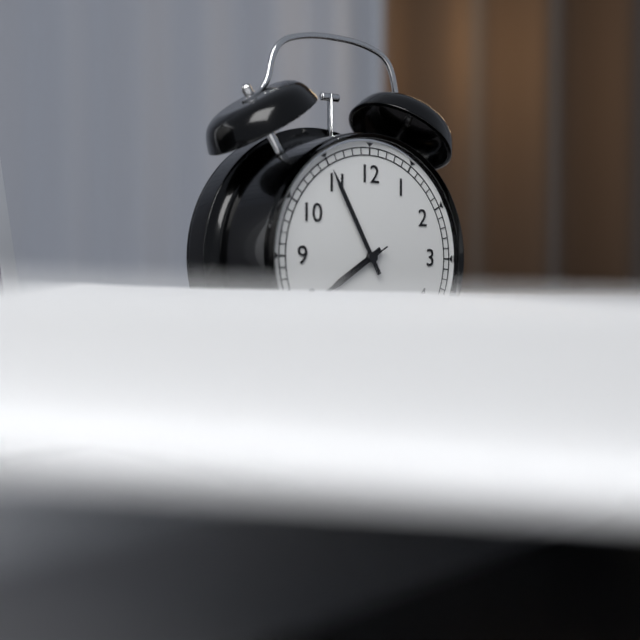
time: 7:55:40
